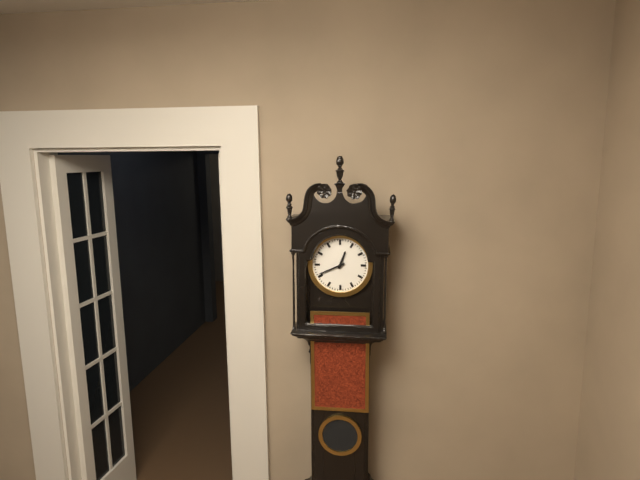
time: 12:41
